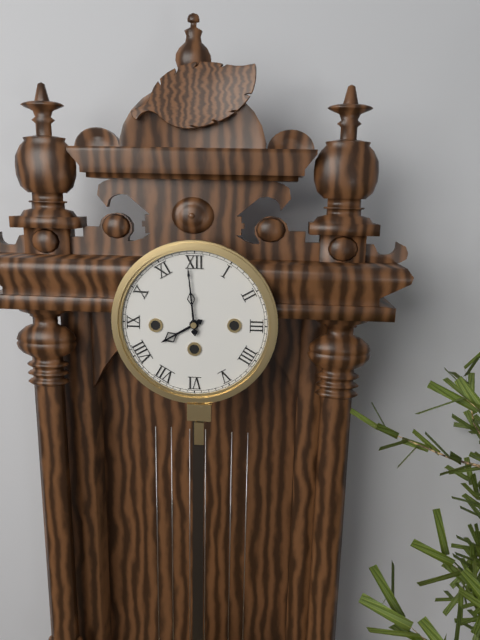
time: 7:59
